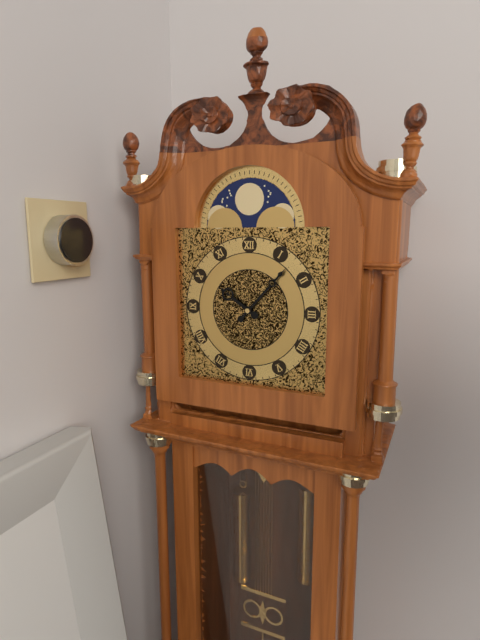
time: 10:07
